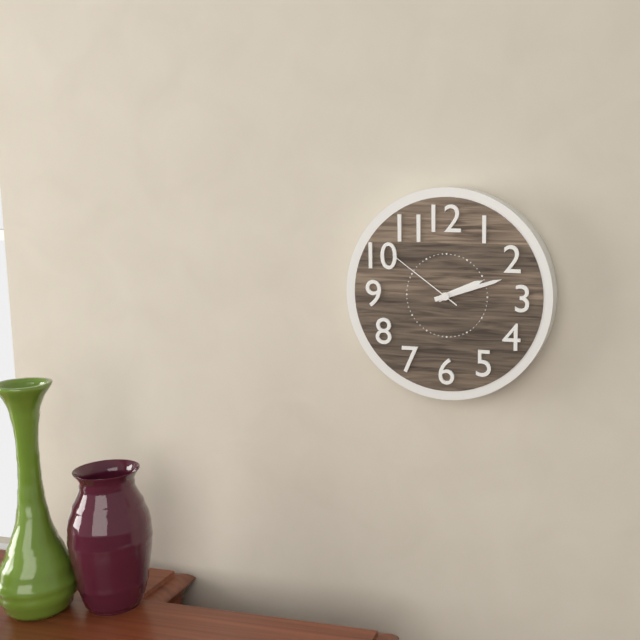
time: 2:12:51
